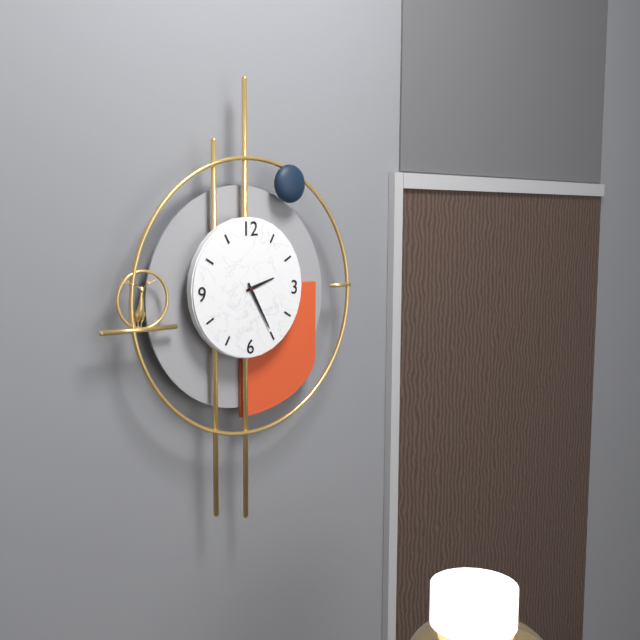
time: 2:25
